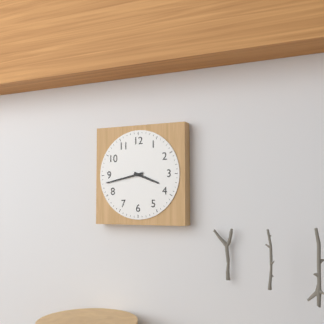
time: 3:43
